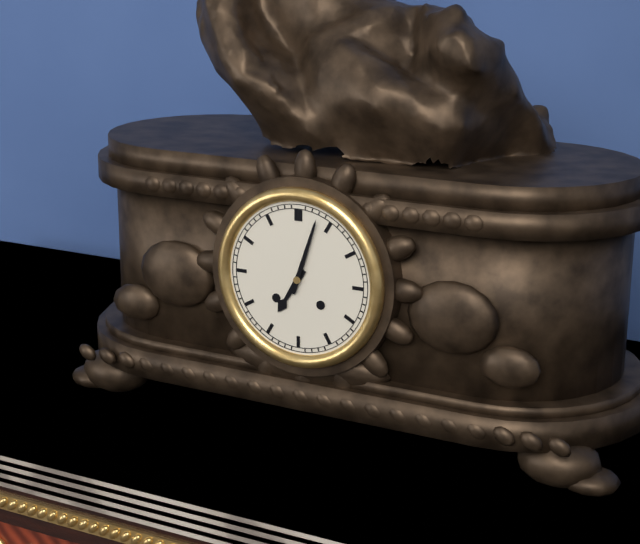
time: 7:03
